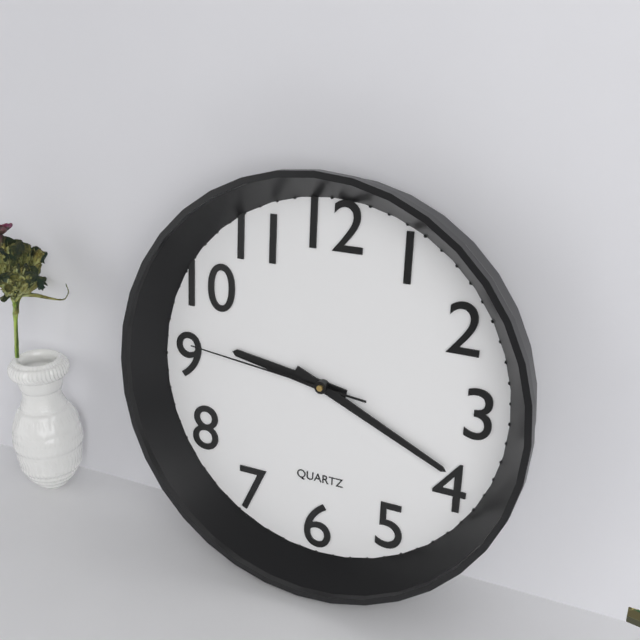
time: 9:19:46
